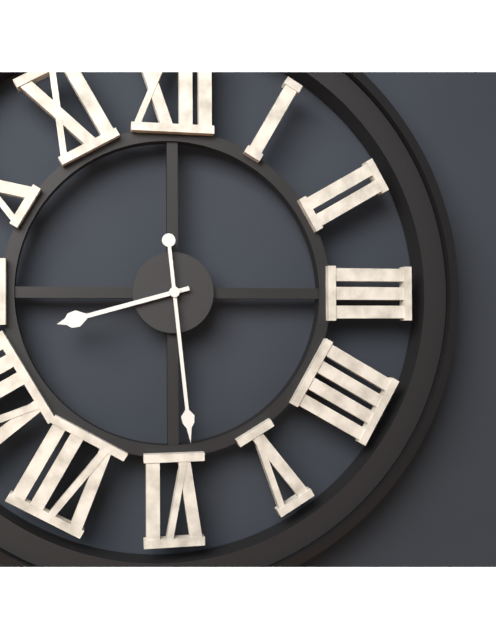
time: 8:29
